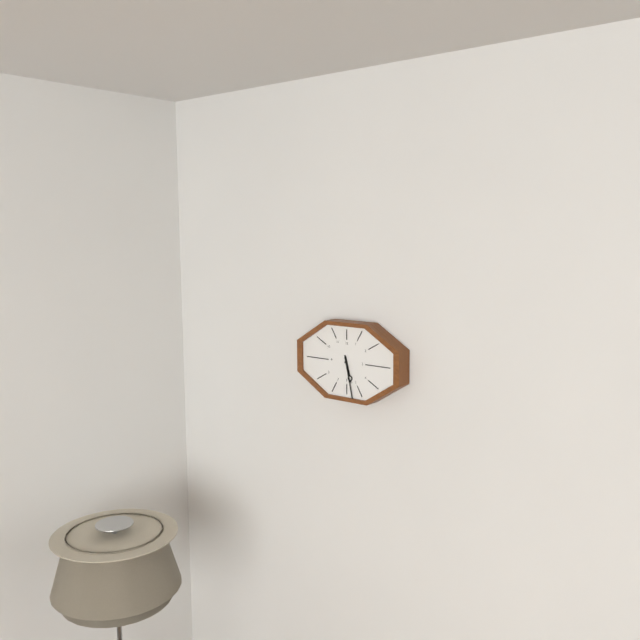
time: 5:28
